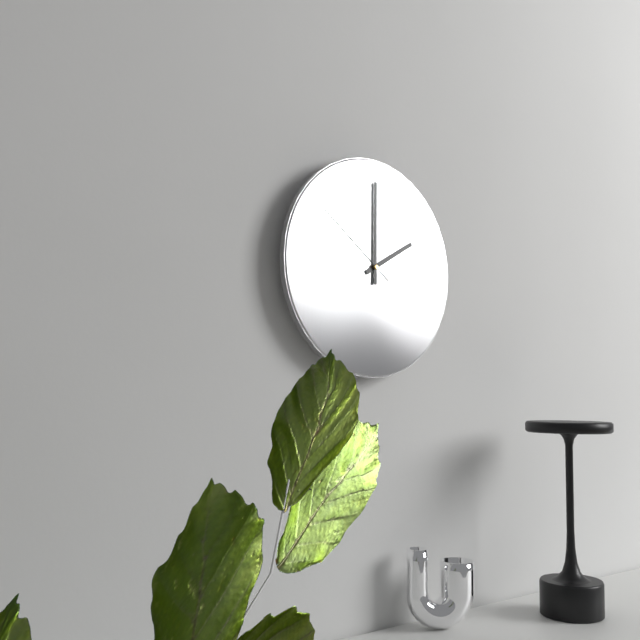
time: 2:00:51
